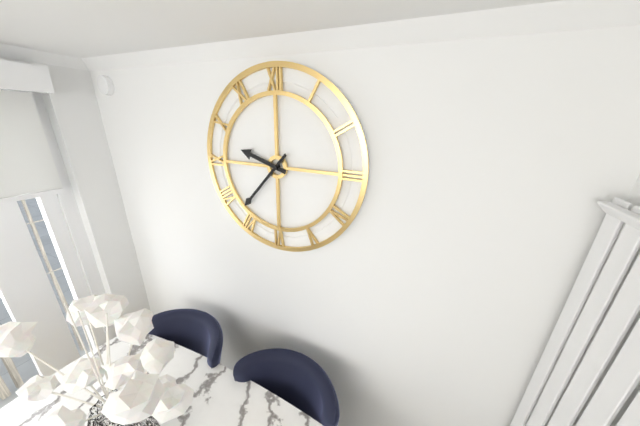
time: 9:37
